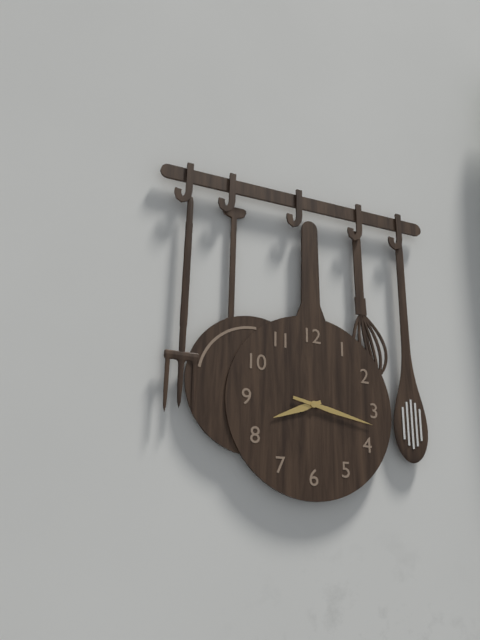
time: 8:17
